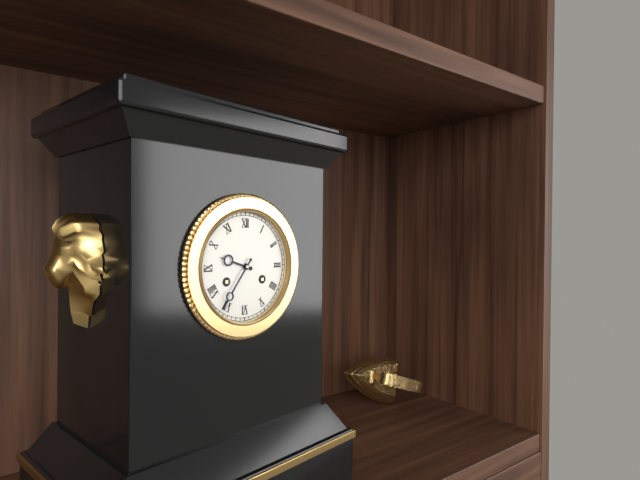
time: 9:36
